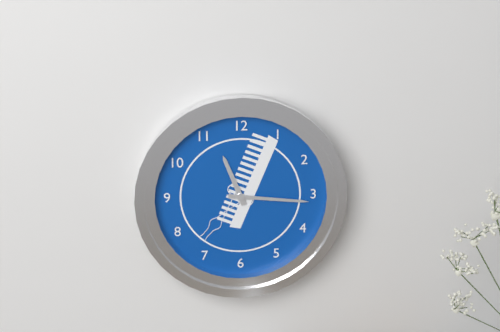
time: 11:16
